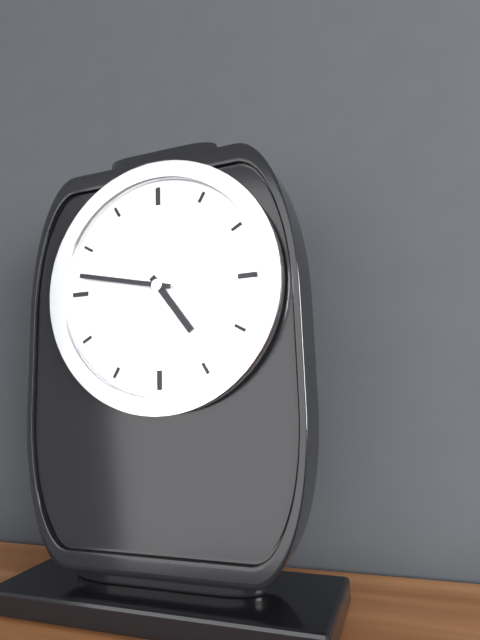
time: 4:47
